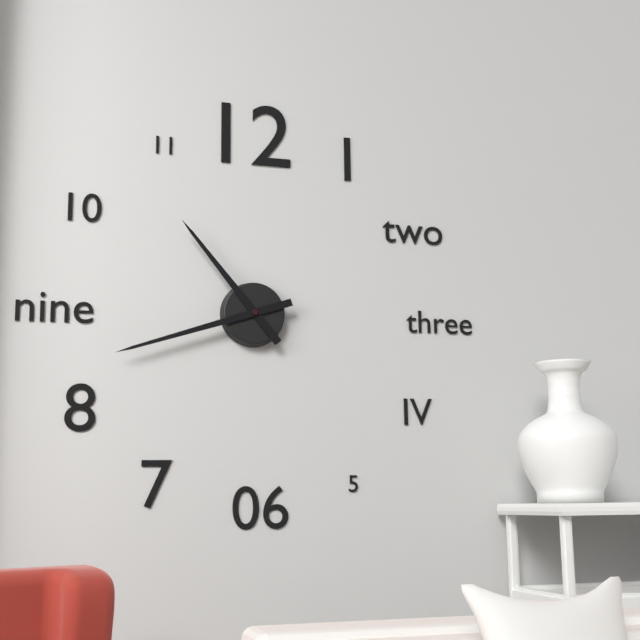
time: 10:42
